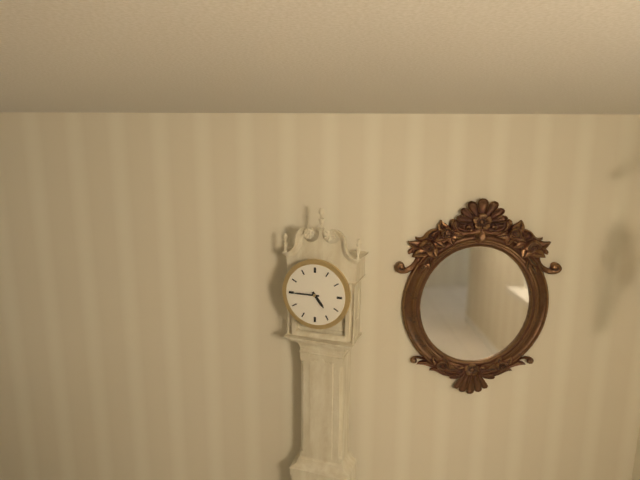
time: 4:45
